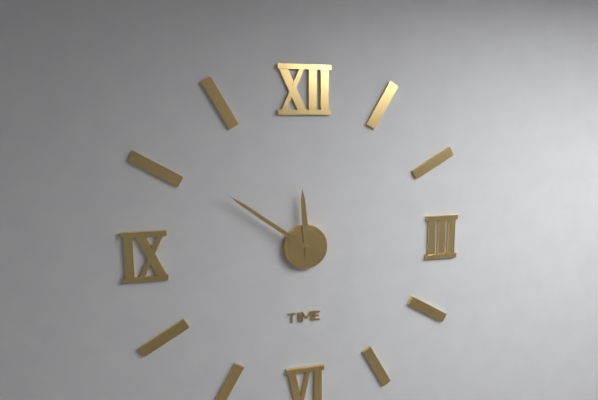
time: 11:51
